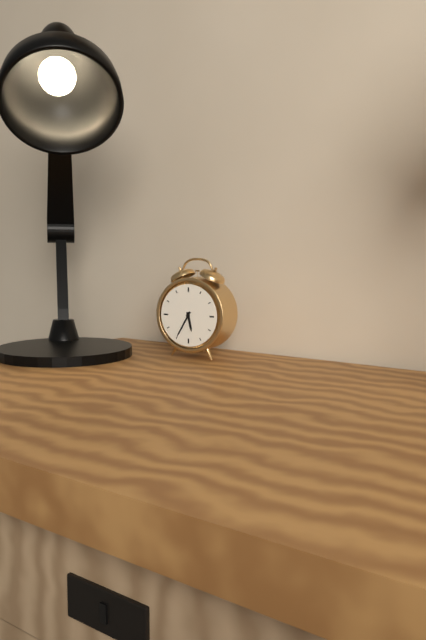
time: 5:35
